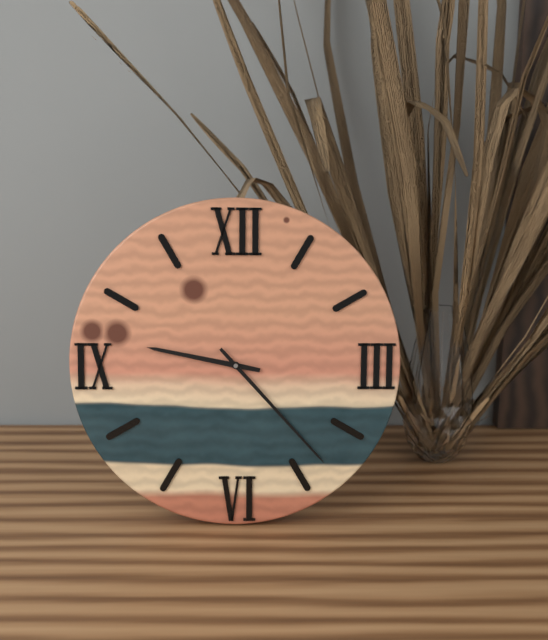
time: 9:23
